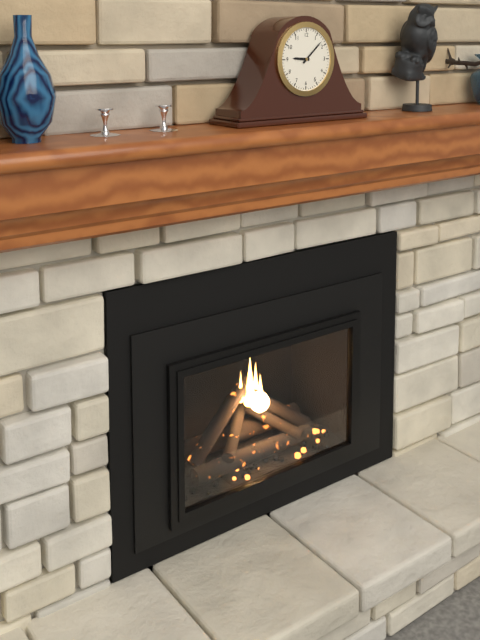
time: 9:08
